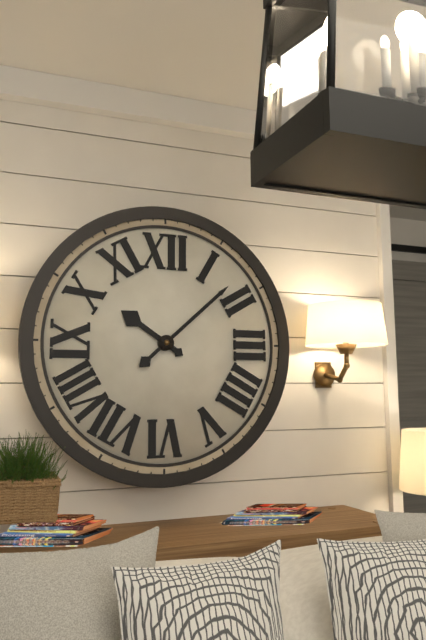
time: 10:08
